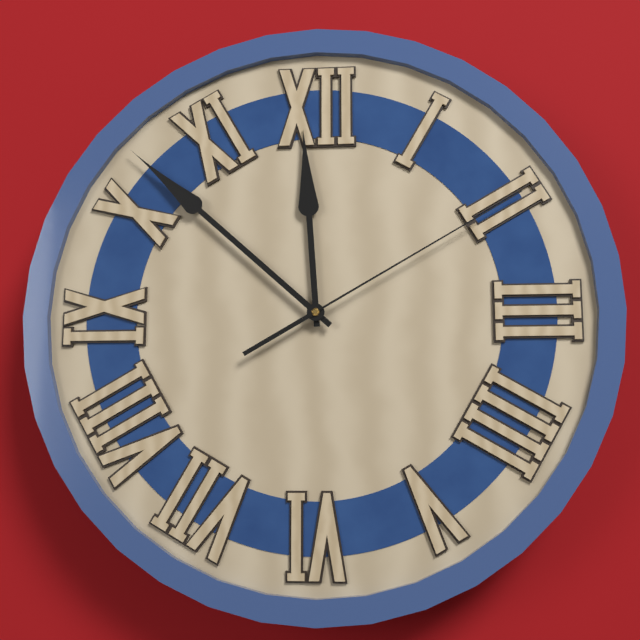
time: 11:52:10
